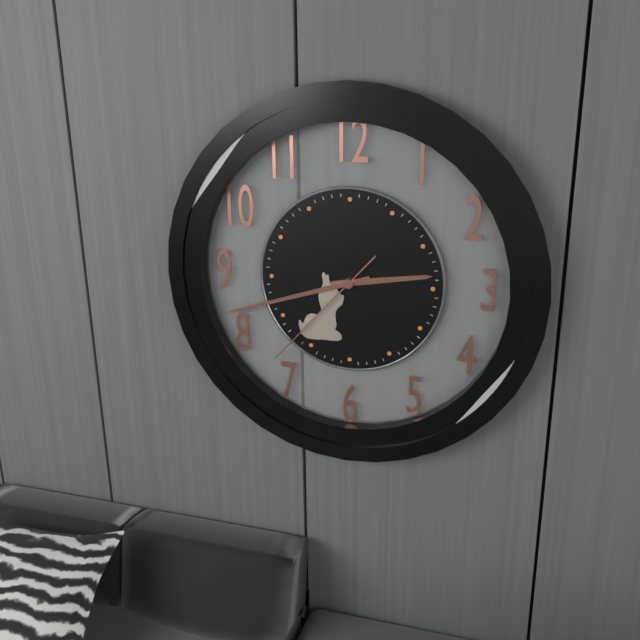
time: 2:42:37
